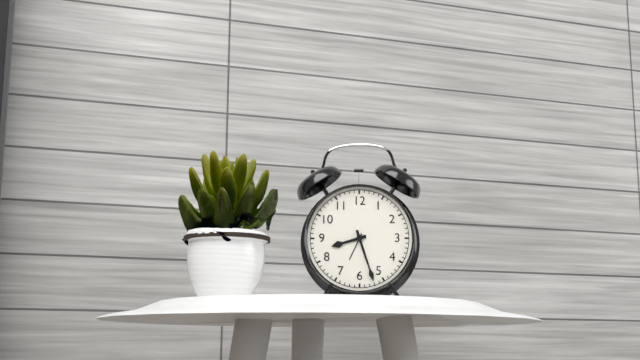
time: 8:27
